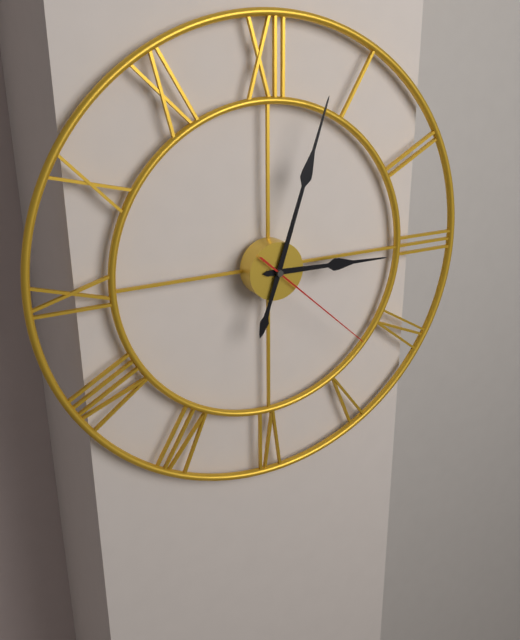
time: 3:03:22
